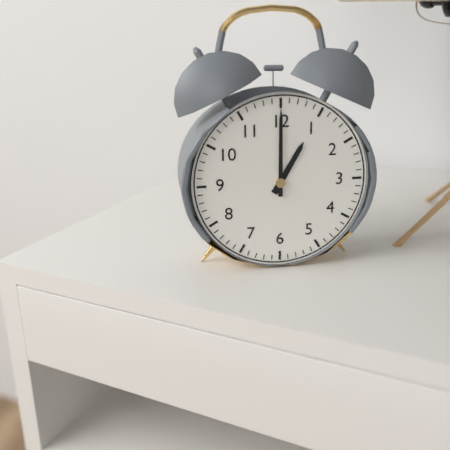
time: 1:00
